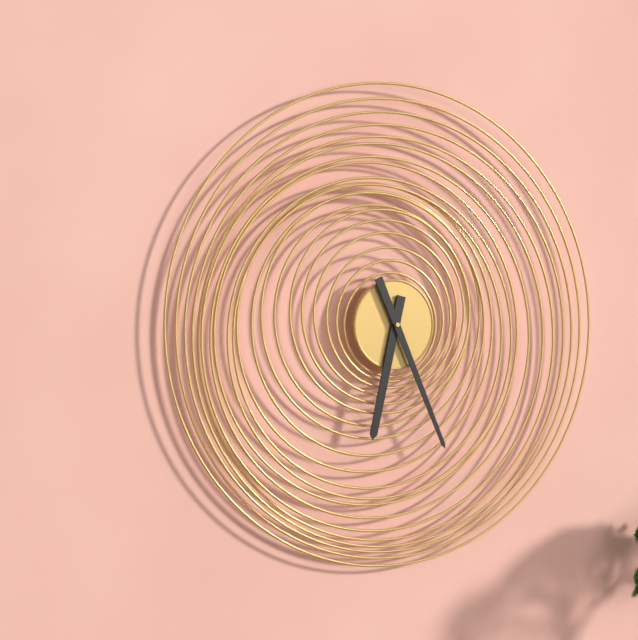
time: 6:26
